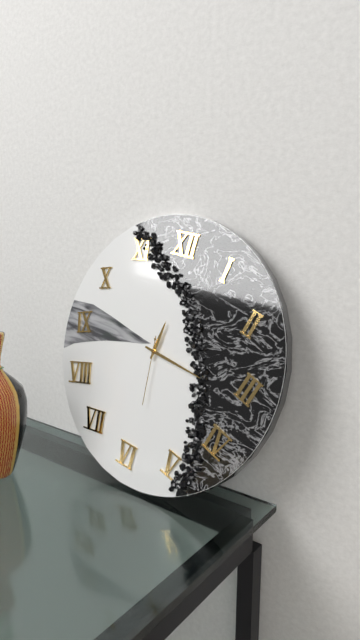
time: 12:16:29
